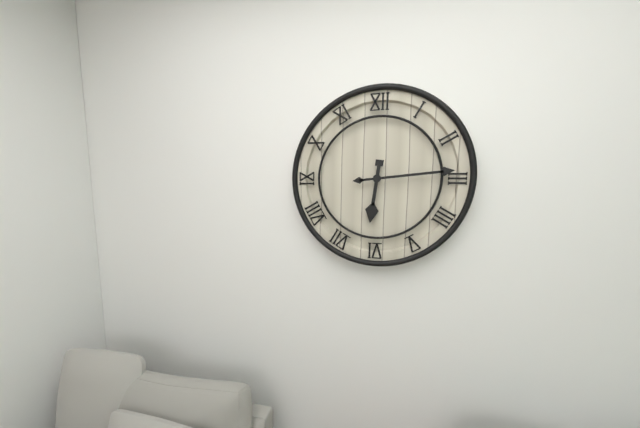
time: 6:14
